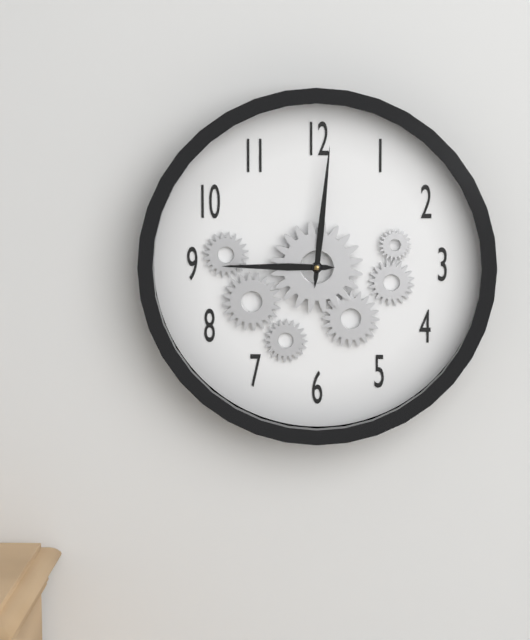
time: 9:01
